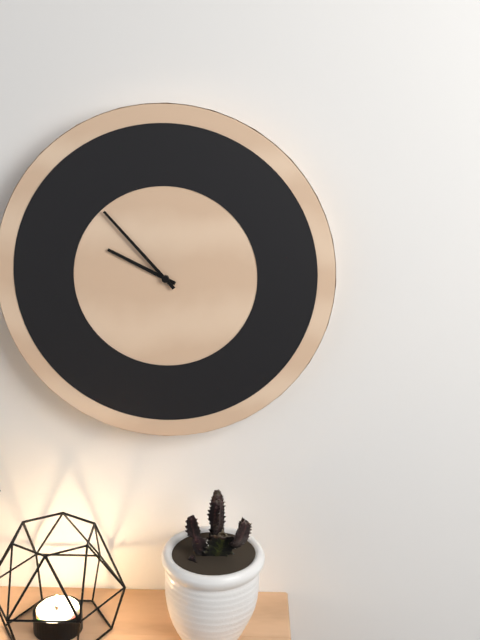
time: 9:53
